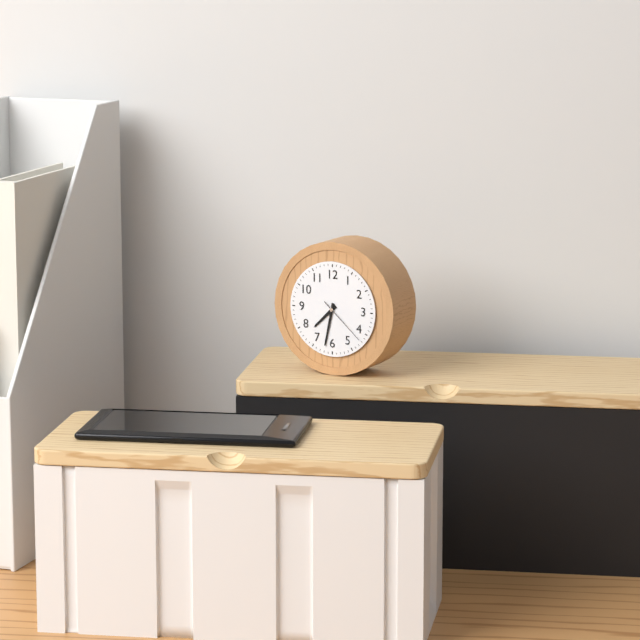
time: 7:32:22
